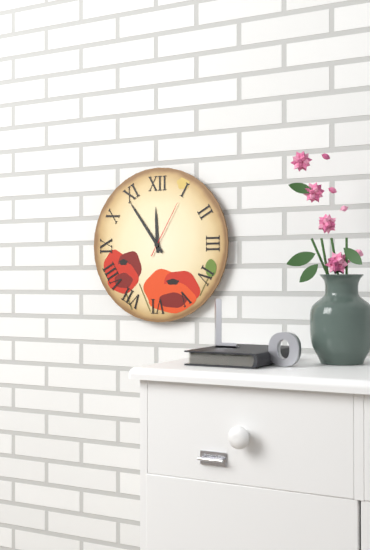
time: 11:54:05
